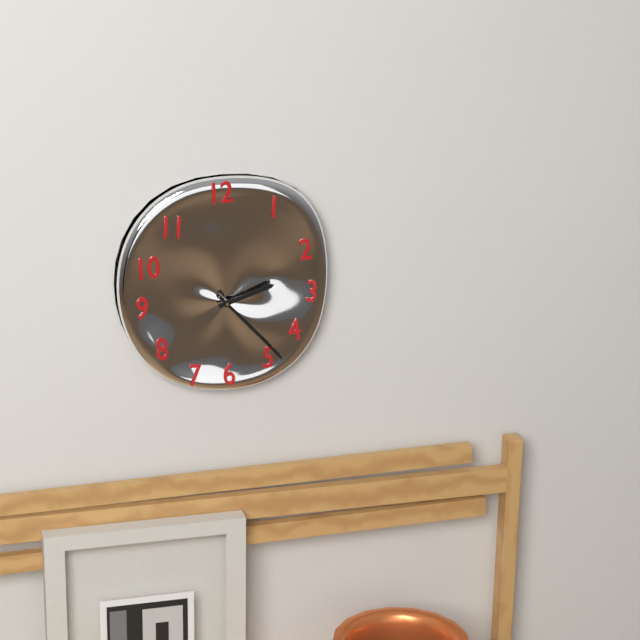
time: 2:23
